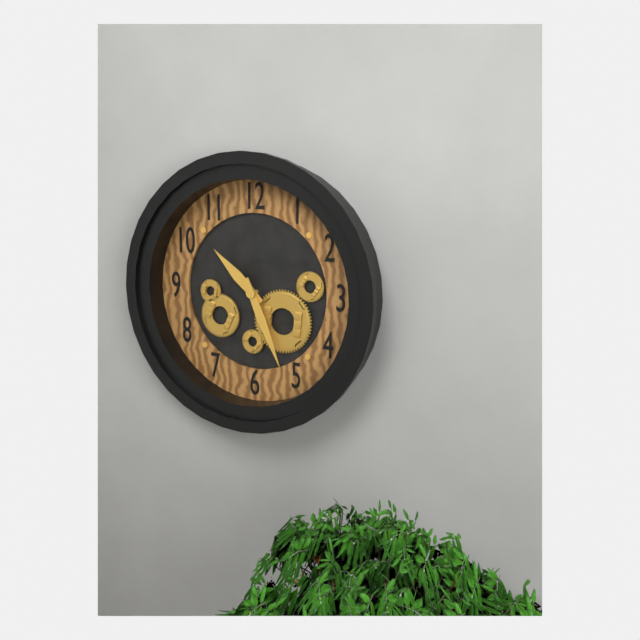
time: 10:26
